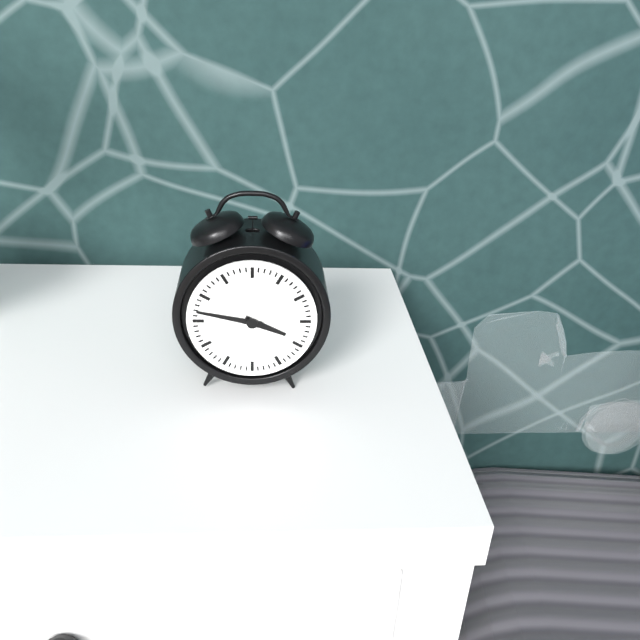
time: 3:47
